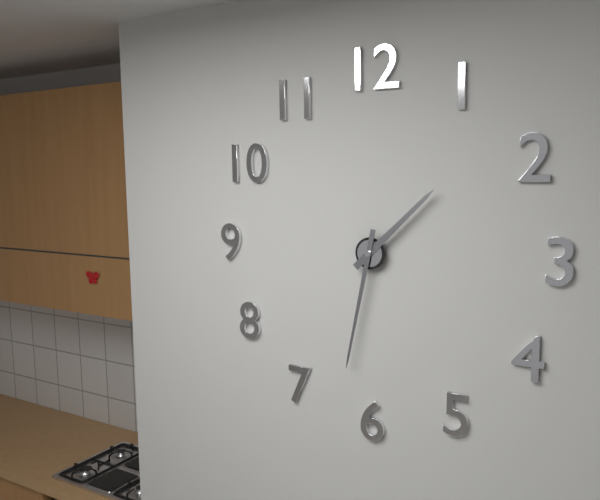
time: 1:32
